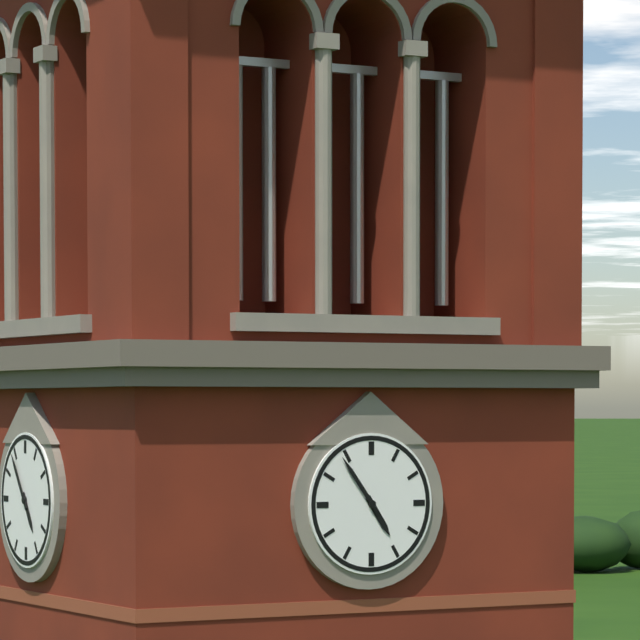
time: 4:54
